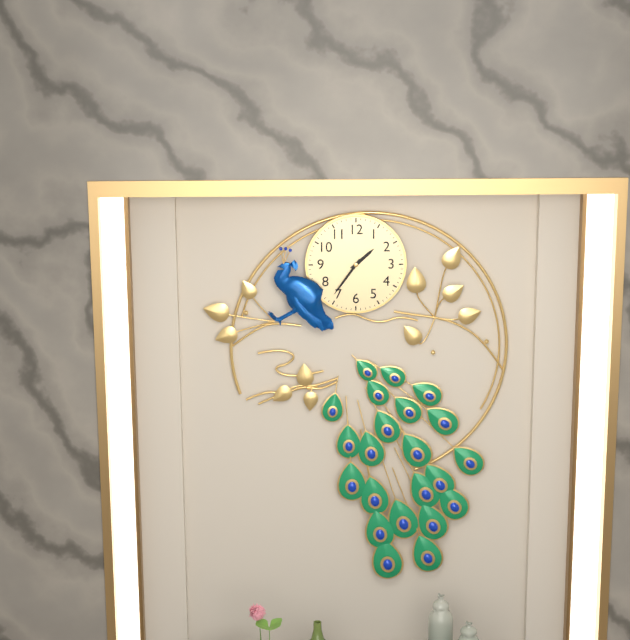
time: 1:36
